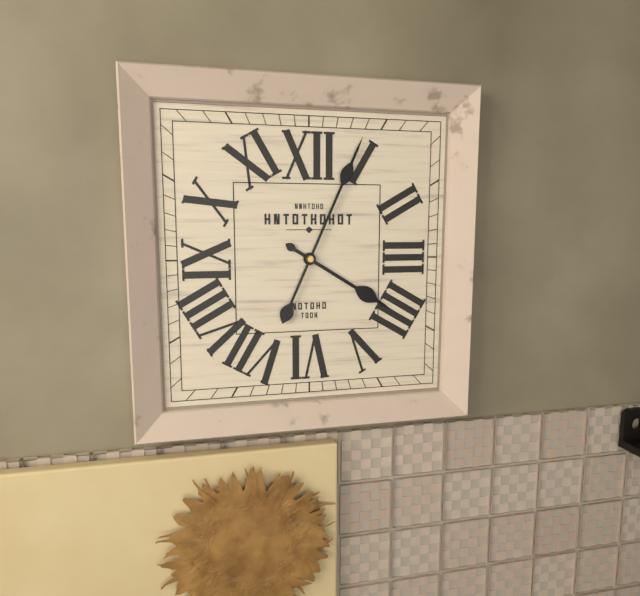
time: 4:04
